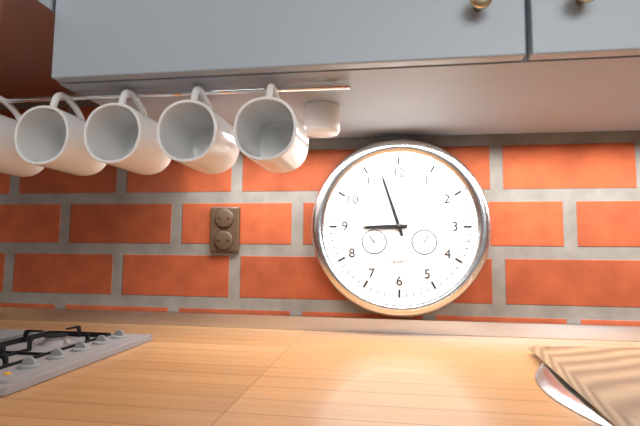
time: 8:57
